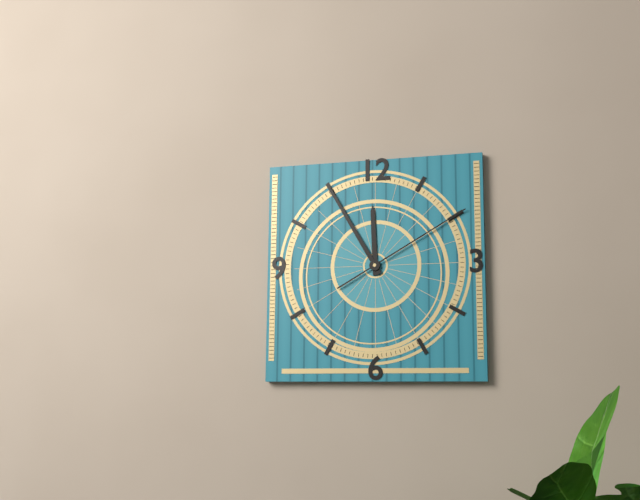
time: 11:55:10
